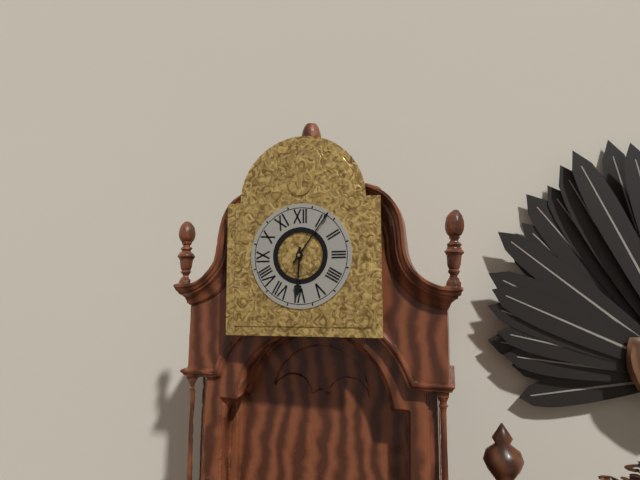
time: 6:06
